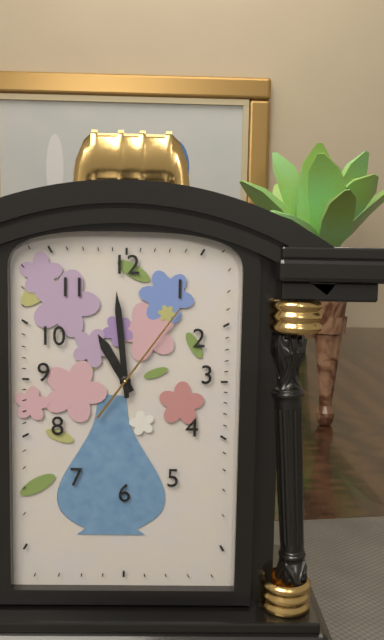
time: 10:59:06
